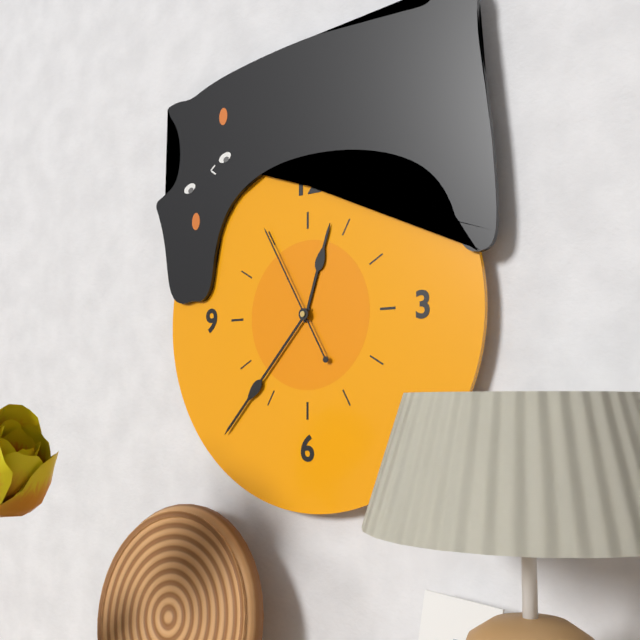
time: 12:37:55
